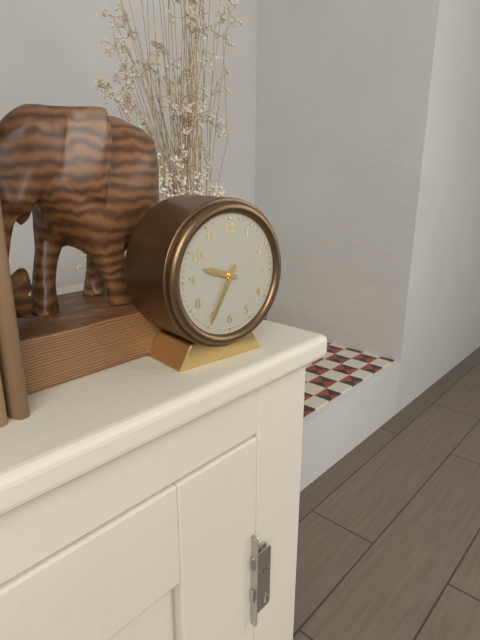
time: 9:35
